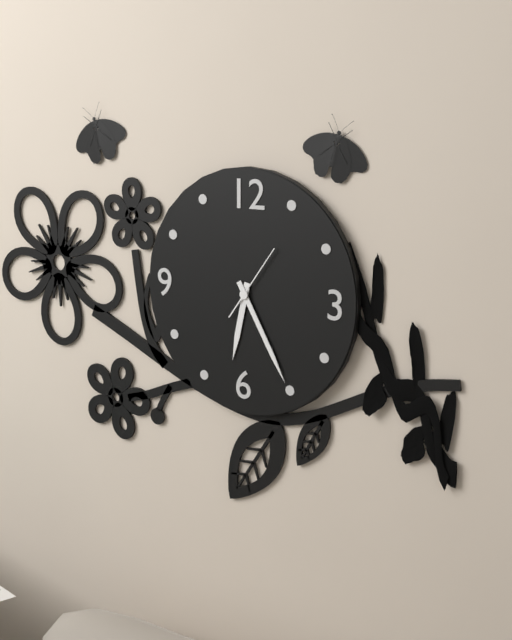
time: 6:25:06
